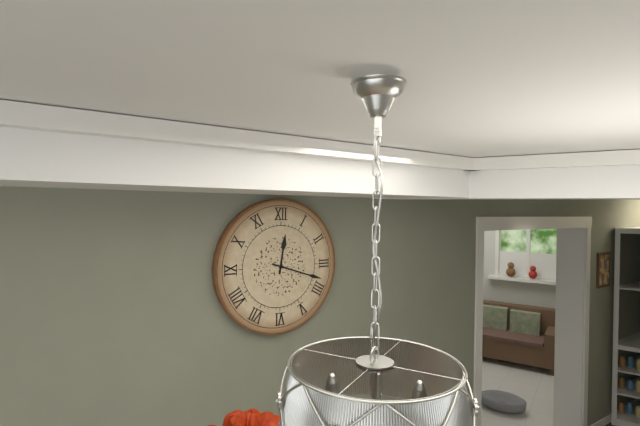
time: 12:18
